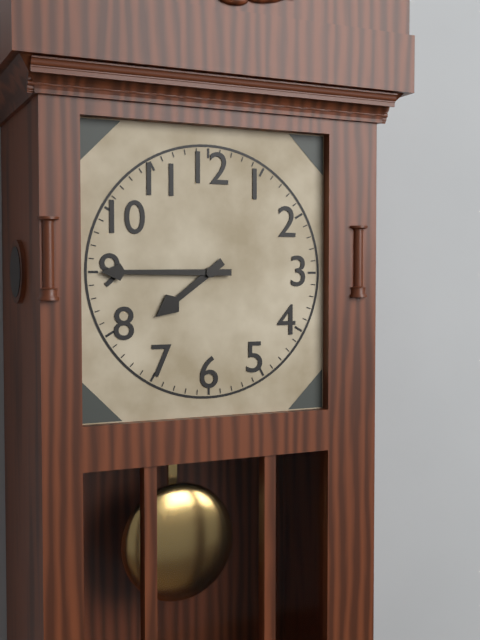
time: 7:45
